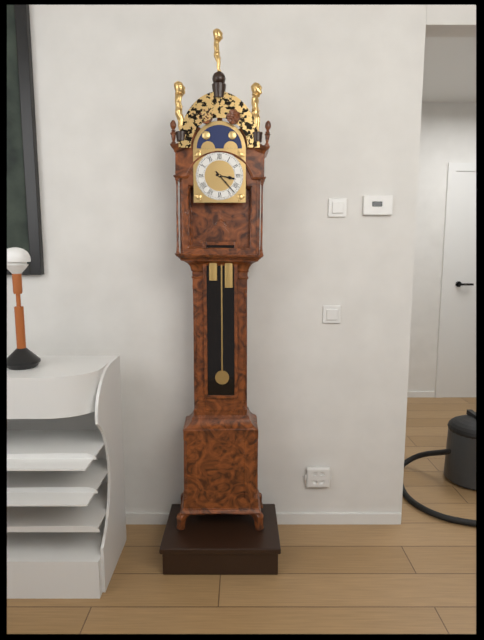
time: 3:23
